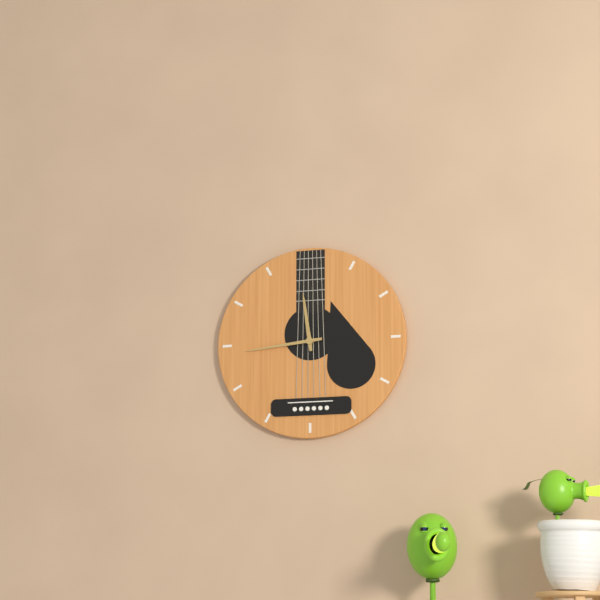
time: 11:44
